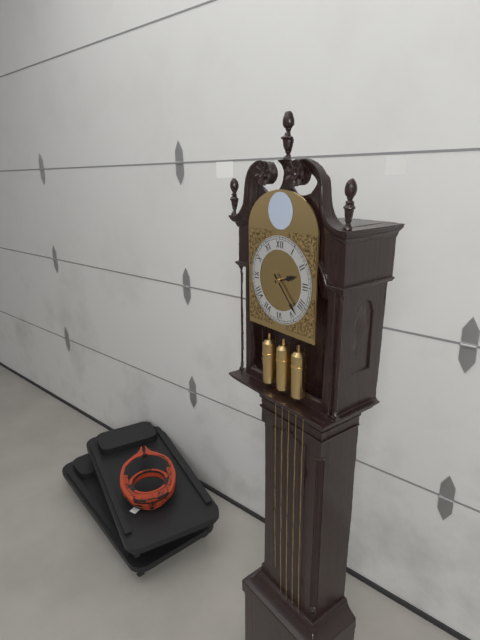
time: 2:23
